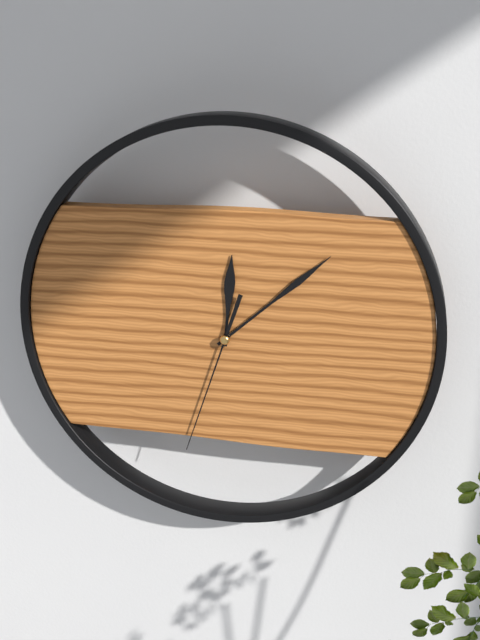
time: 12:08:33
